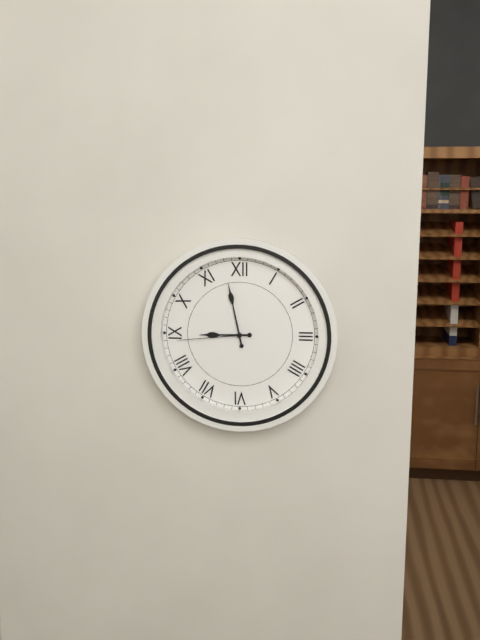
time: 8:58:44
